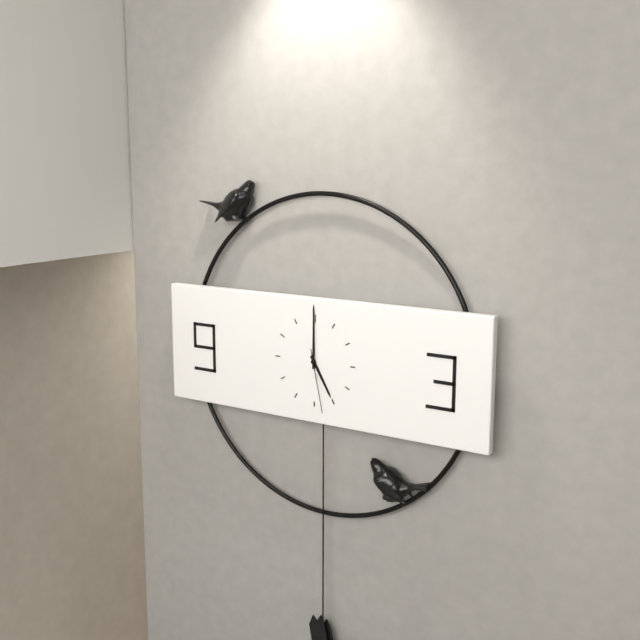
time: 5:00:28
